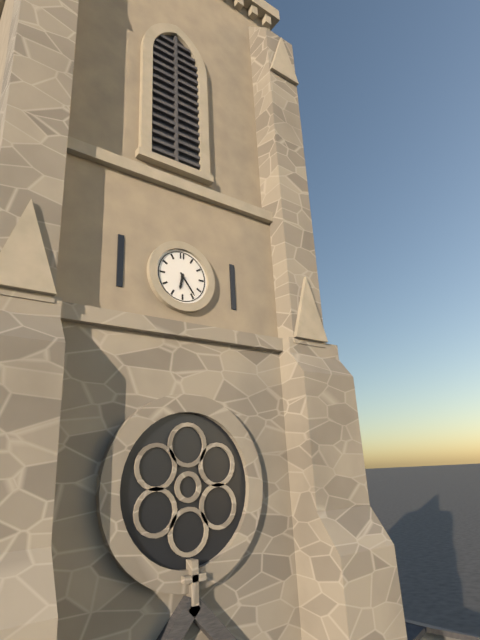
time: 6:24
